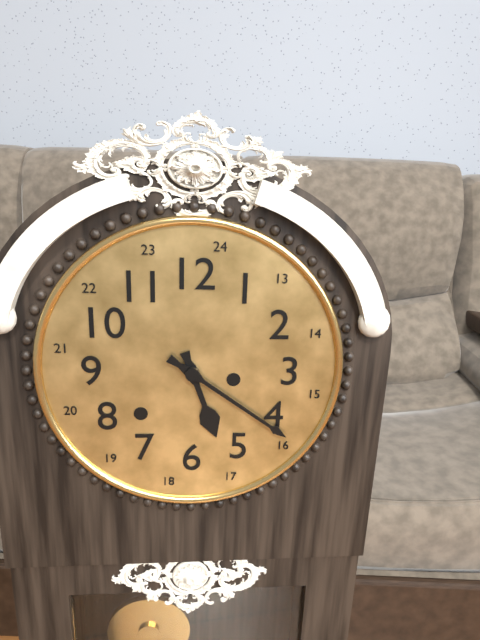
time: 5:21
